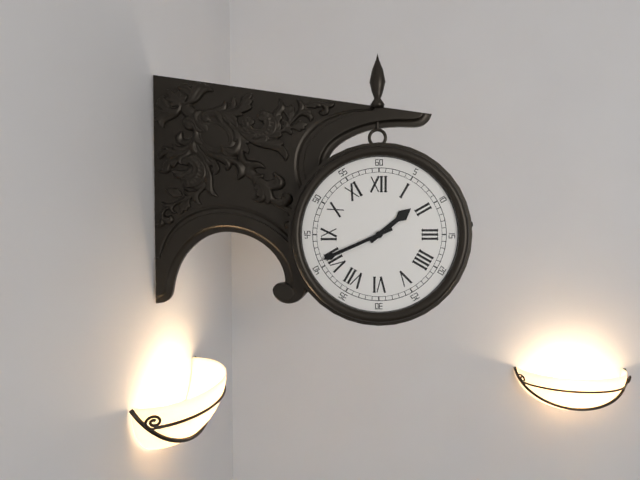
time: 1:41
